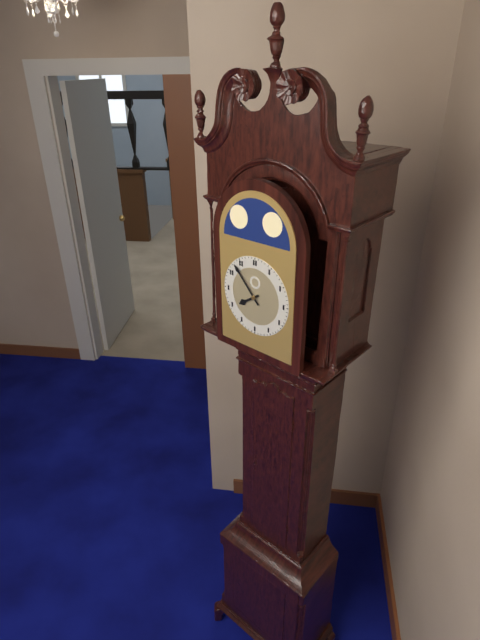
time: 7:53
